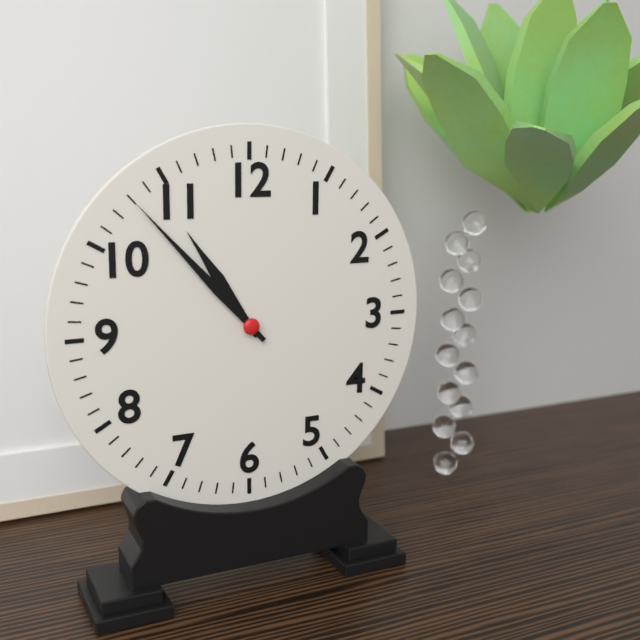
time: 10:53
